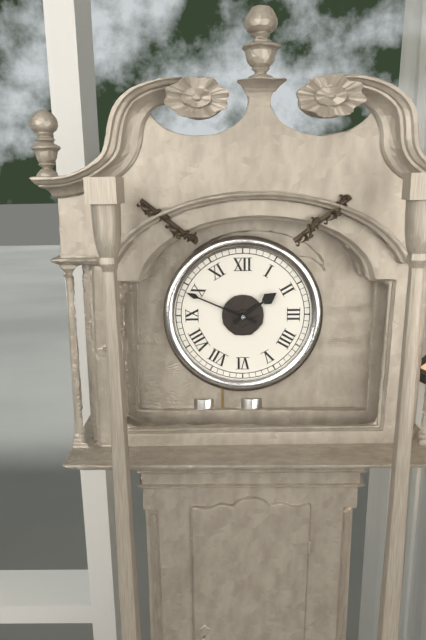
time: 1:49
